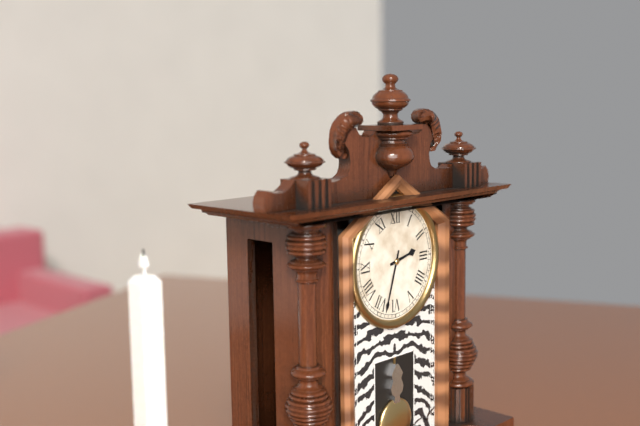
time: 2:33
